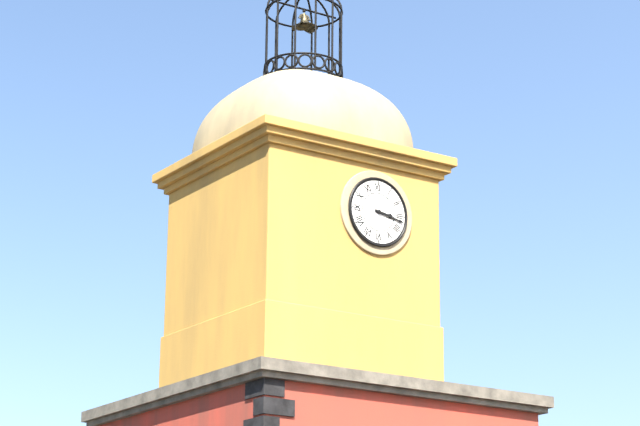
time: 3:17
